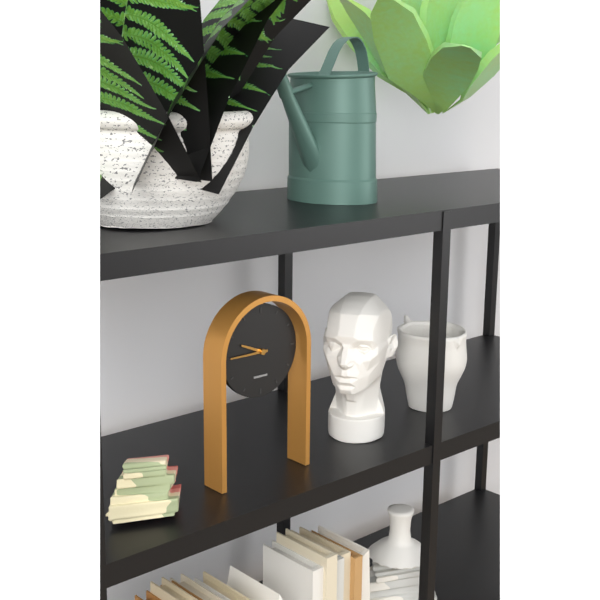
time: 9:45
